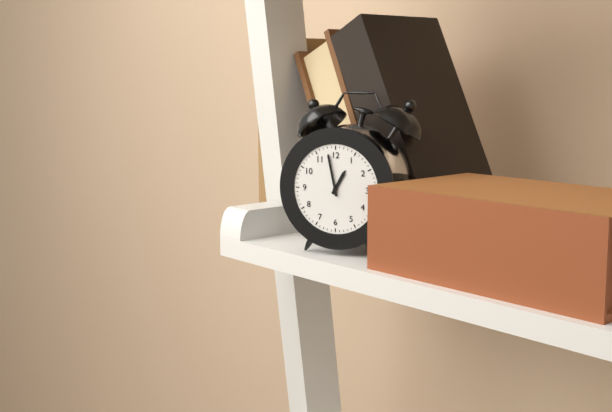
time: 12:58
